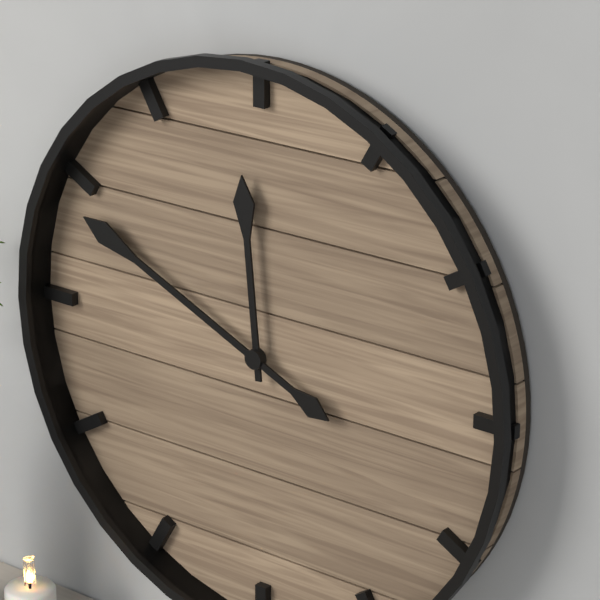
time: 11:49
